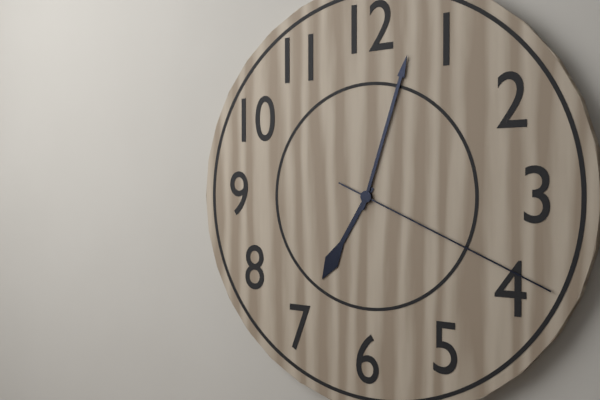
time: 7:03:19
